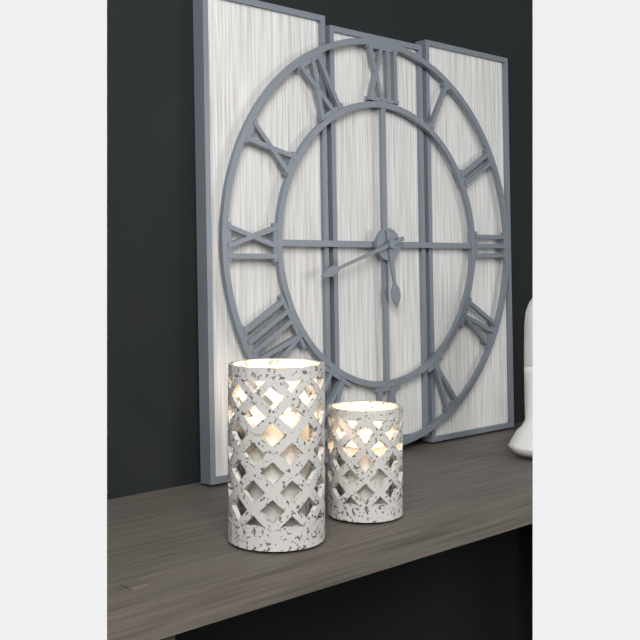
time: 5:42
